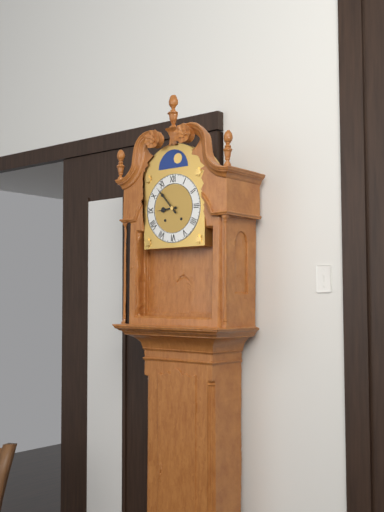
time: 8:53
